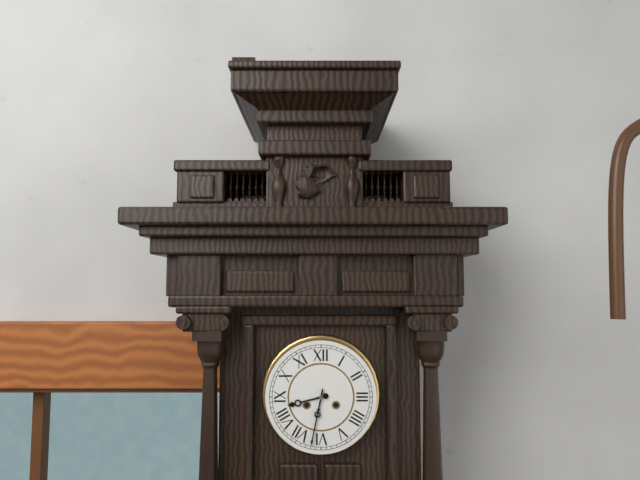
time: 8:32
